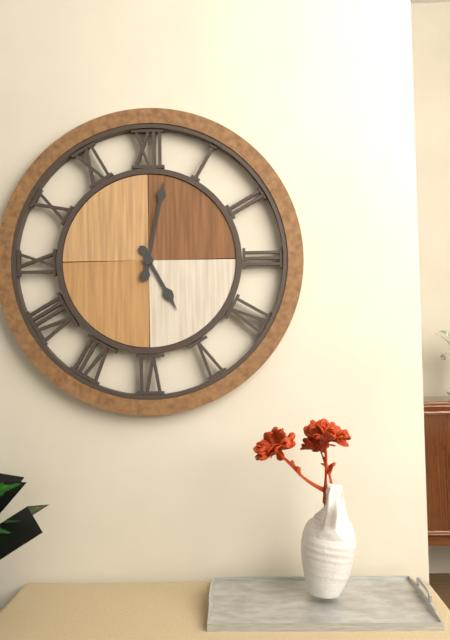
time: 5:02
